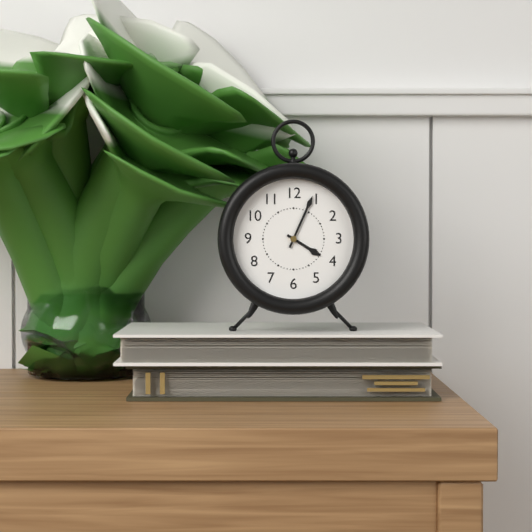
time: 4:04
